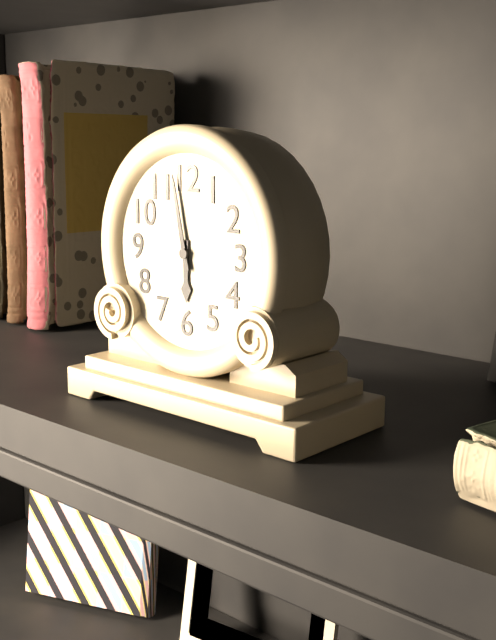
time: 5:58
